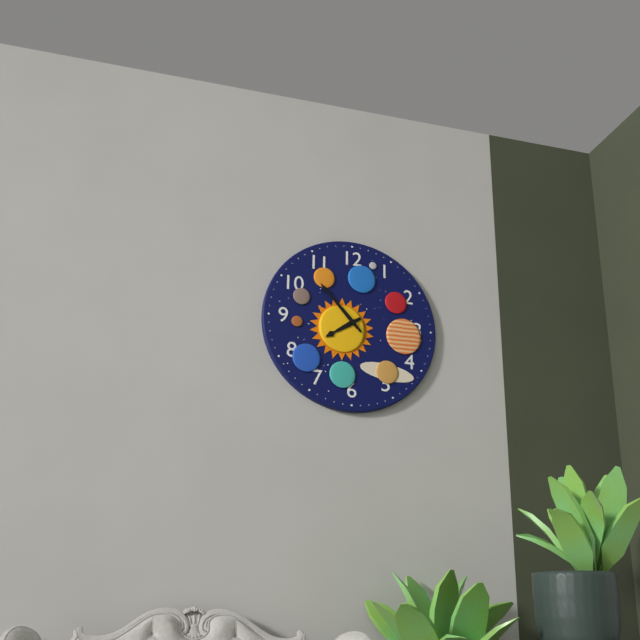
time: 7:53
